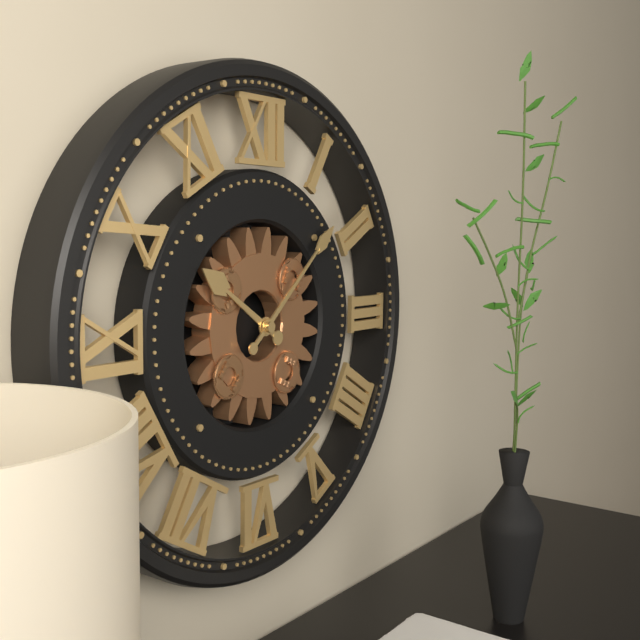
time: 10:08
